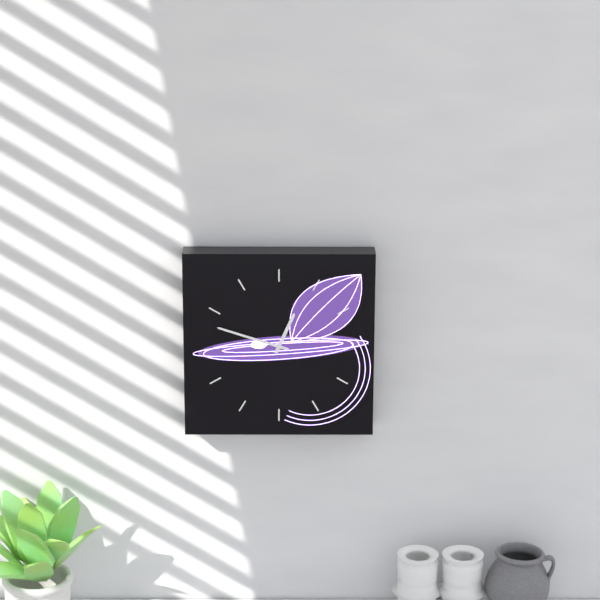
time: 12:48
